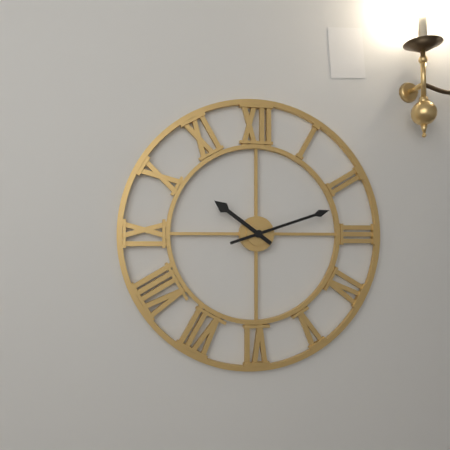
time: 10:12
